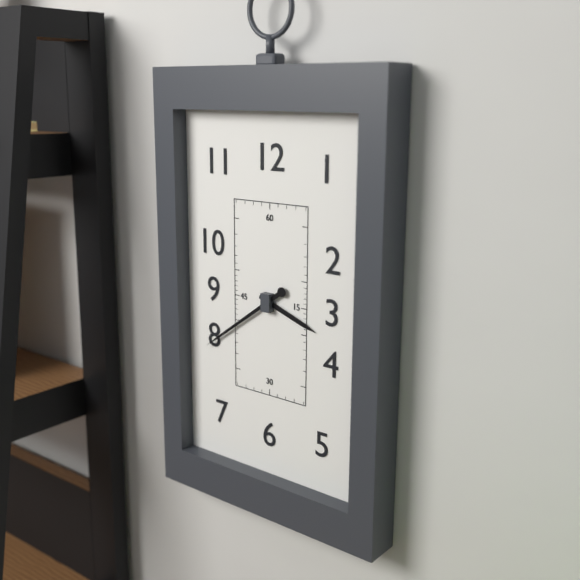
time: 3:39
